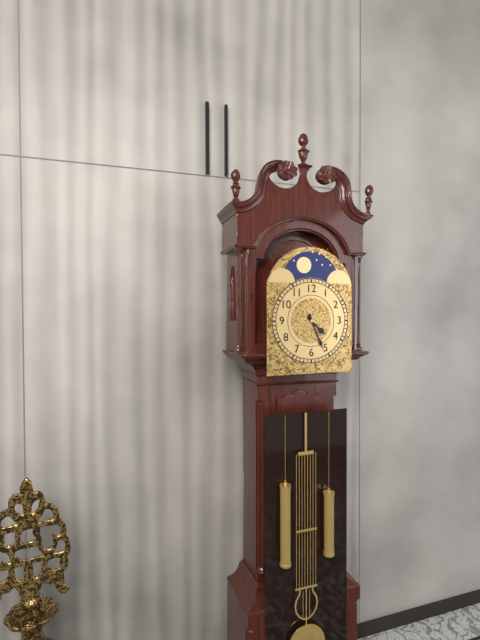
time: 4:26
